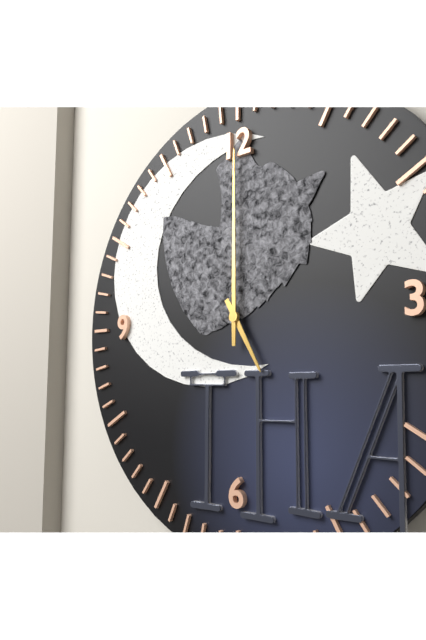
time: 5:00
